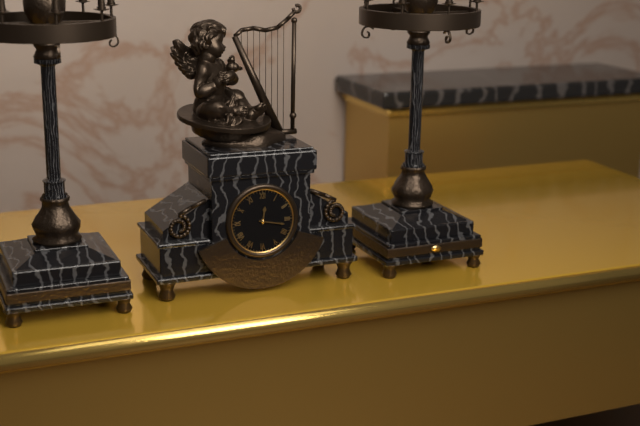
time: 12:17
